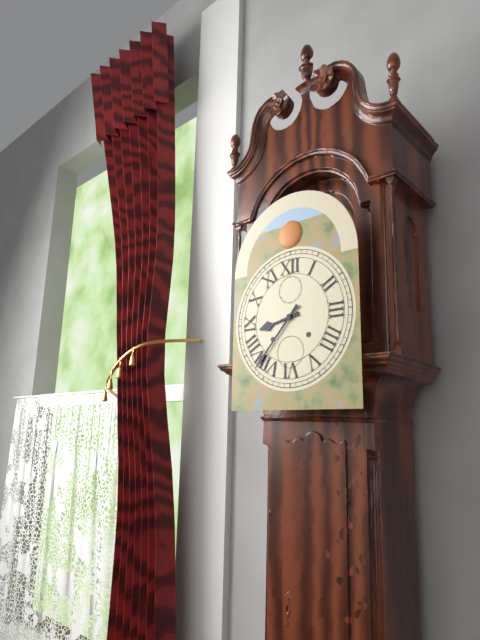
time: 8:37
